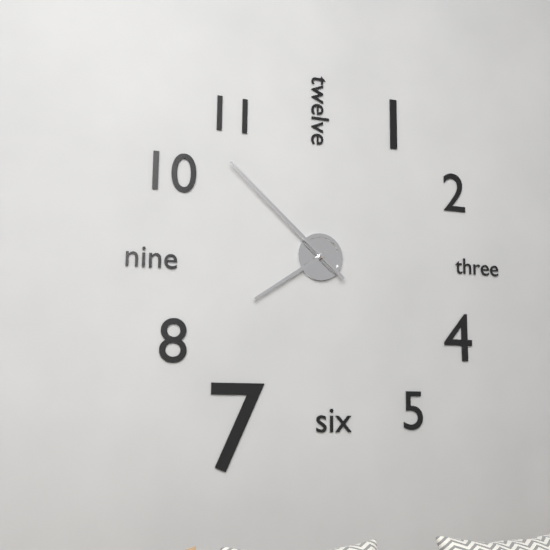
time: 7:52
